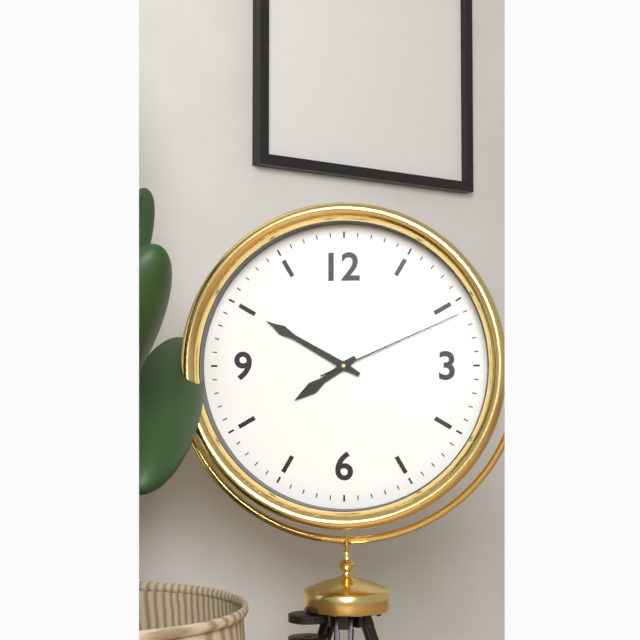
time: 7:50:11
